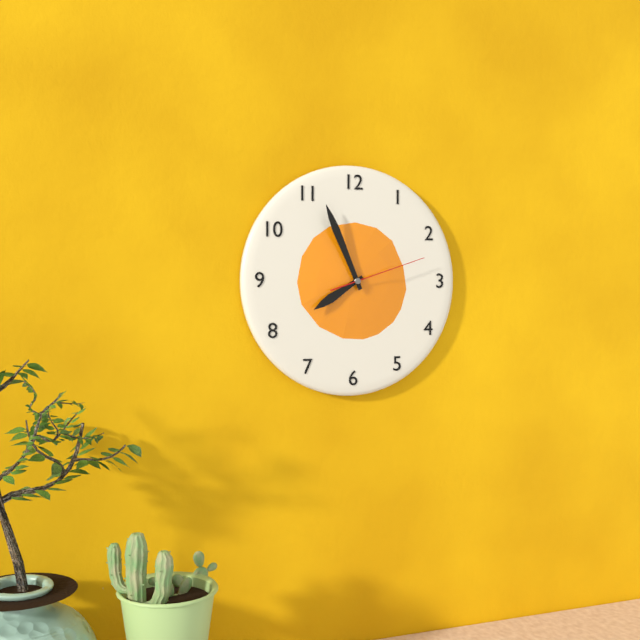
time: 7:56:12
